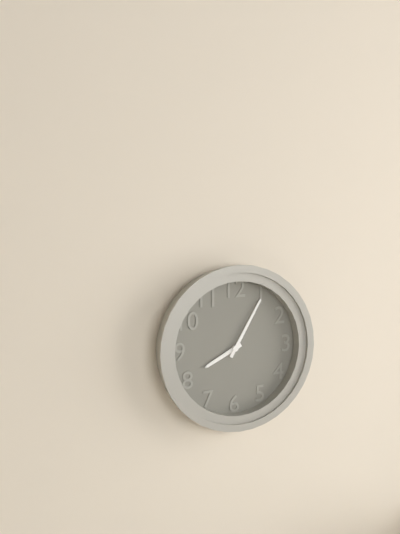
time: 8:05
